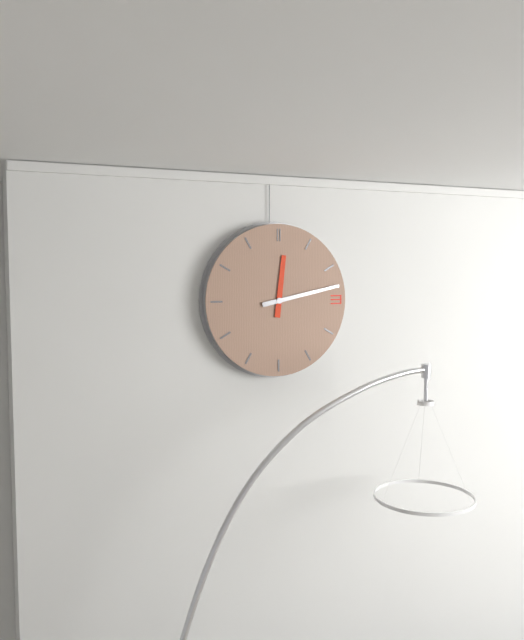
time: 12:13
